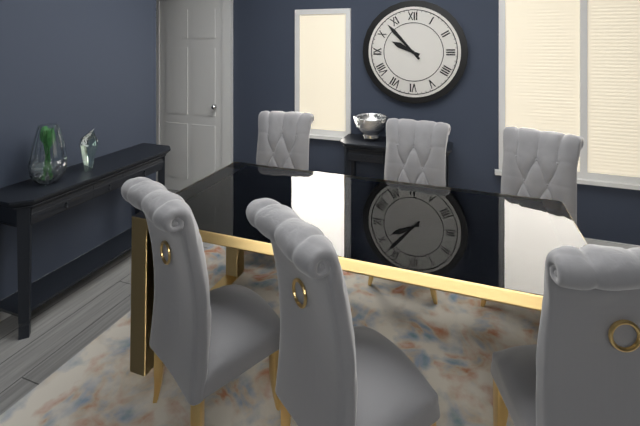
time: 9:53
